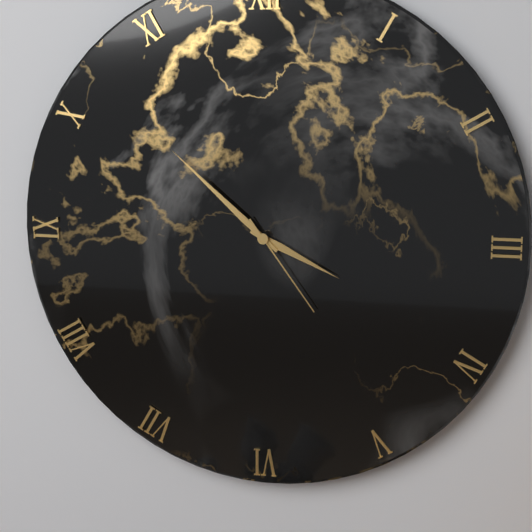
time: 3:52:24
